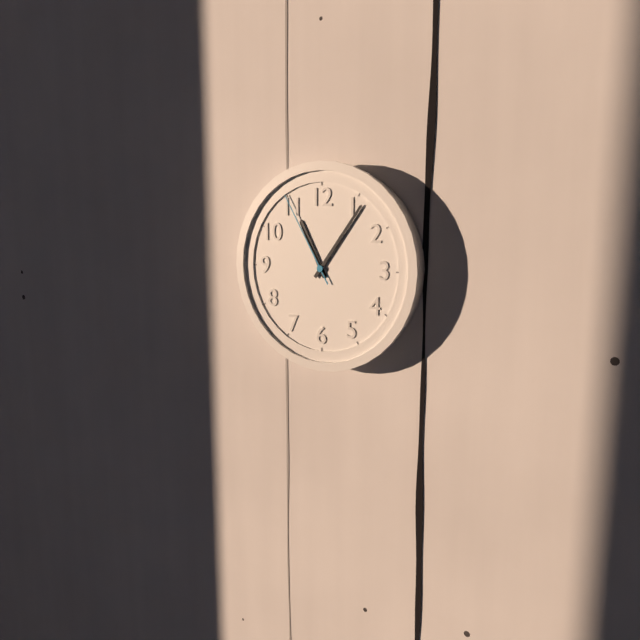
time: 11:06:55
